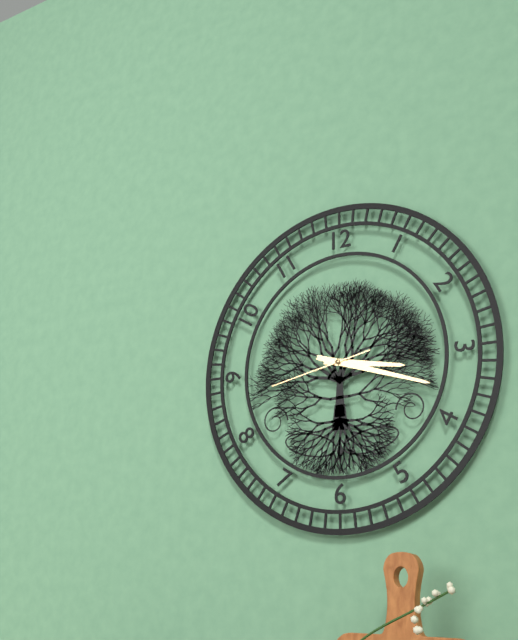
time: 3:18:43
